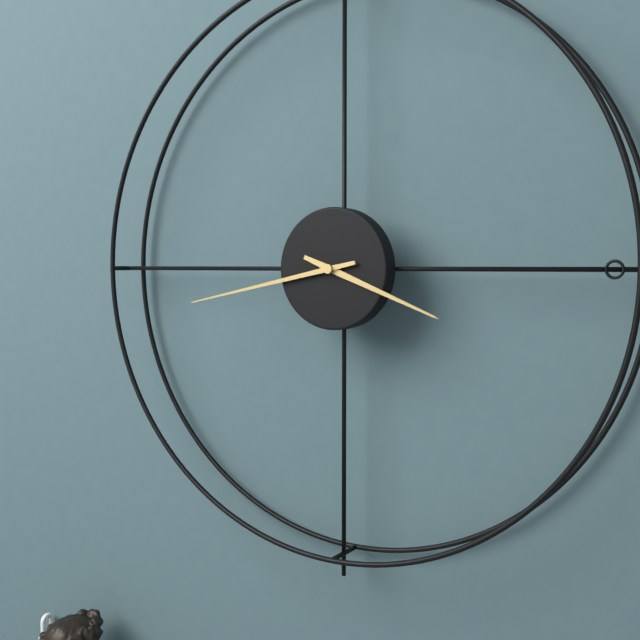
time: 3:43
